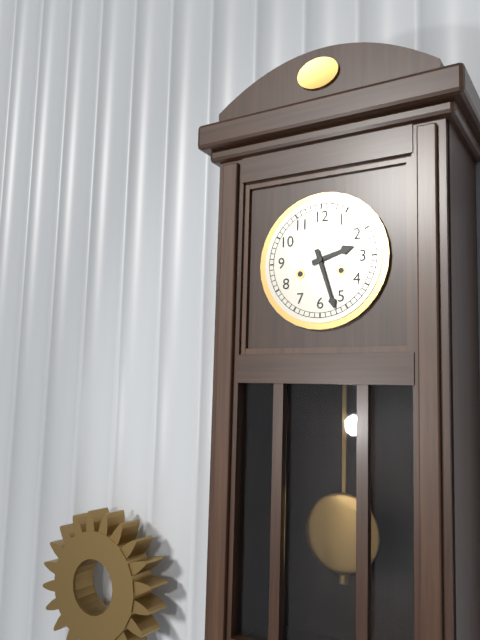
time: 2:27
